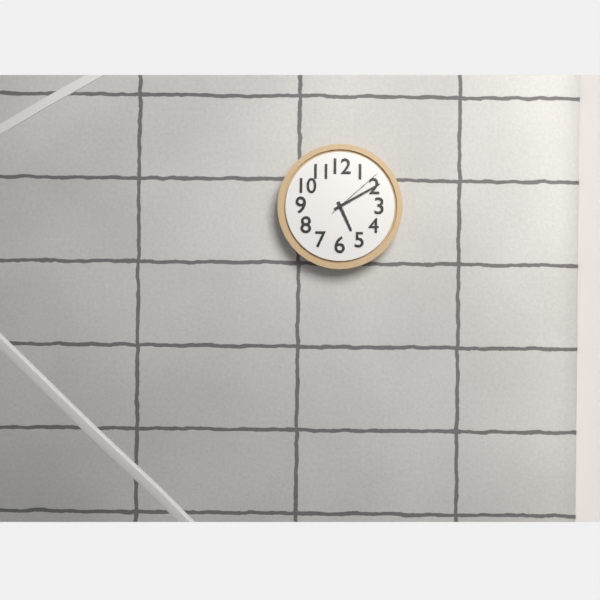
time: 5:10:08
